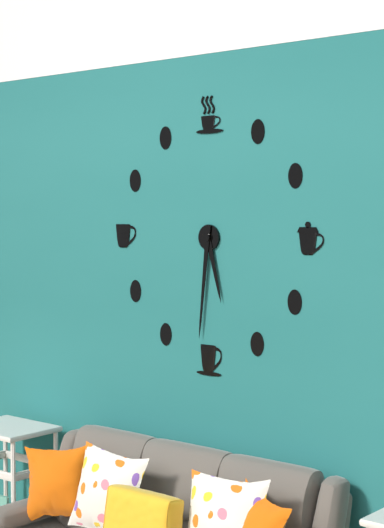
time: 5:31
